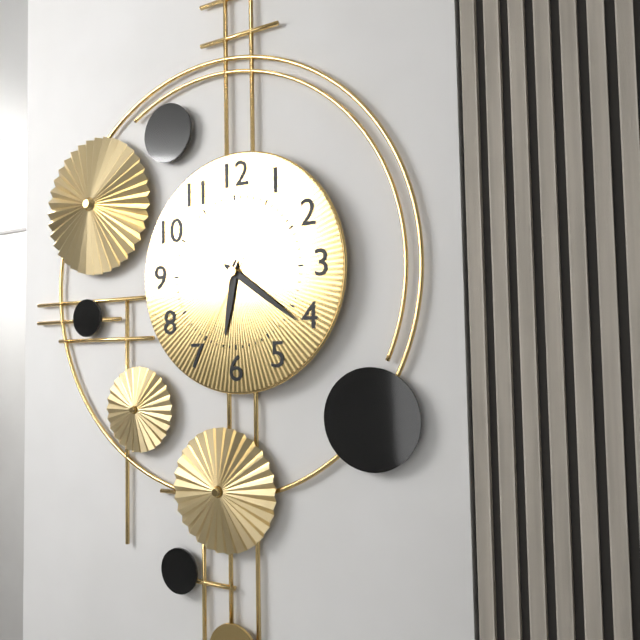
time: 6:21:35
